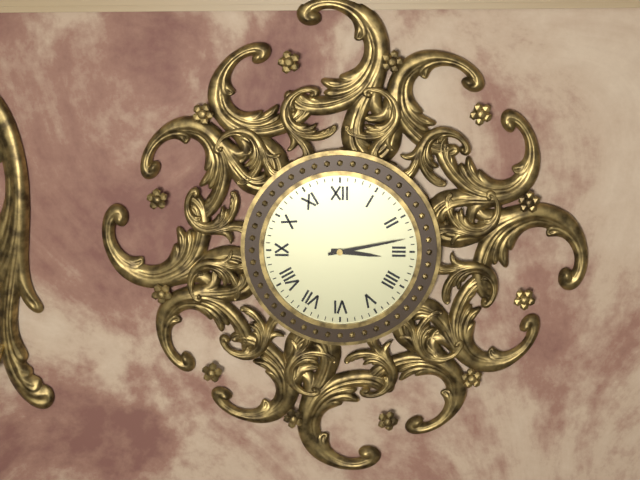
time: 3:13
